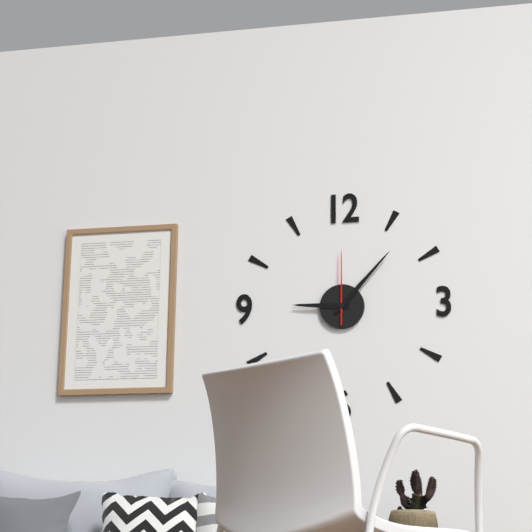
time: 9:07:00
